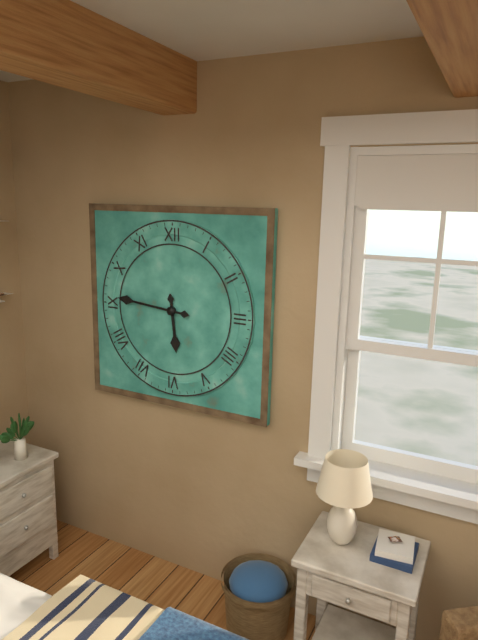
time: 5:46
